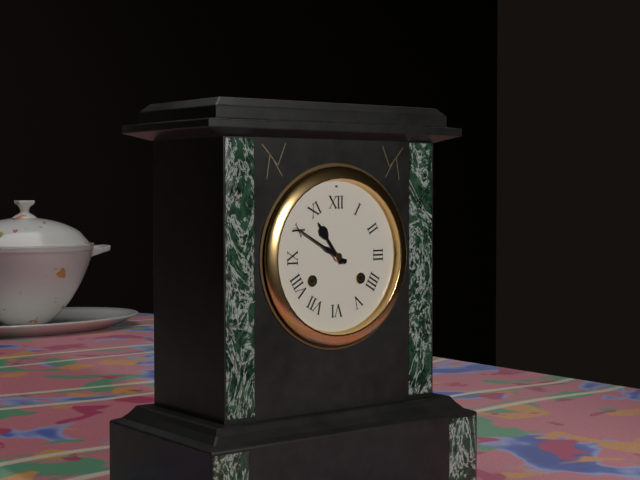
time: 10:50
